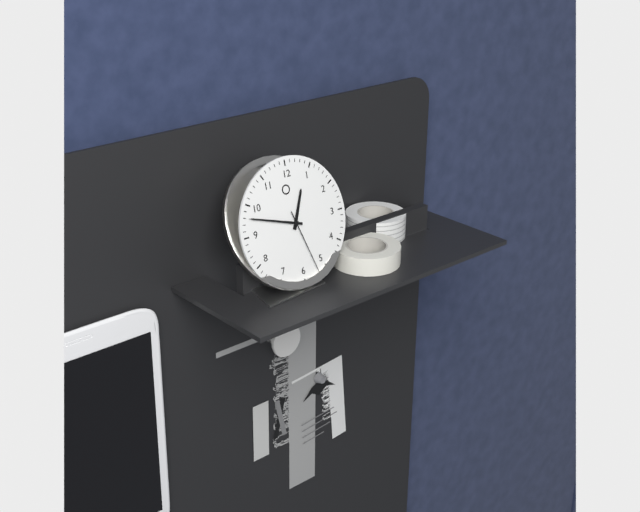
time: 12:48:27
